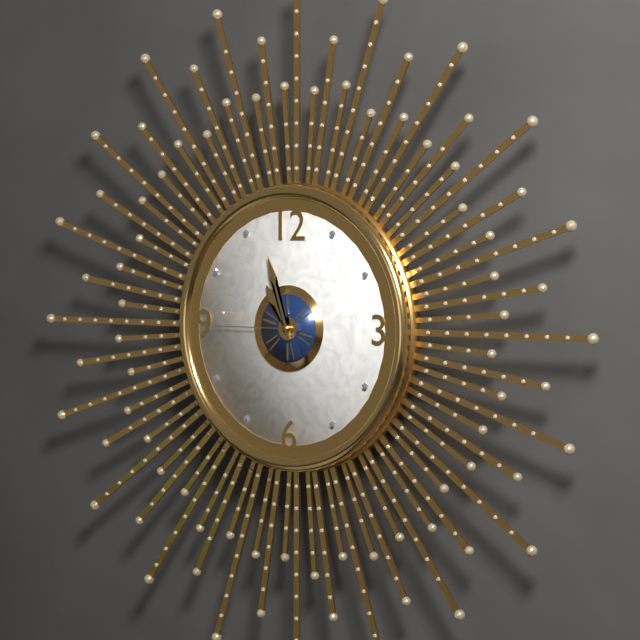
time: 10:57:45
